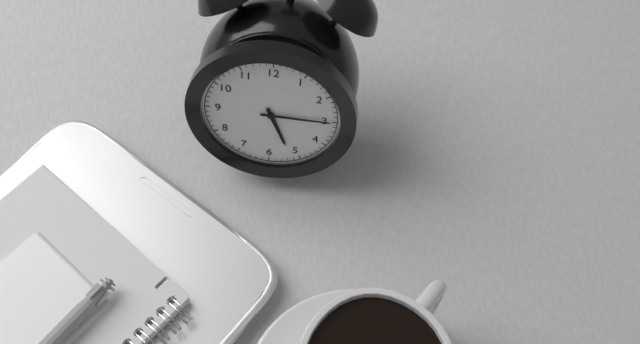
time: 5:15
